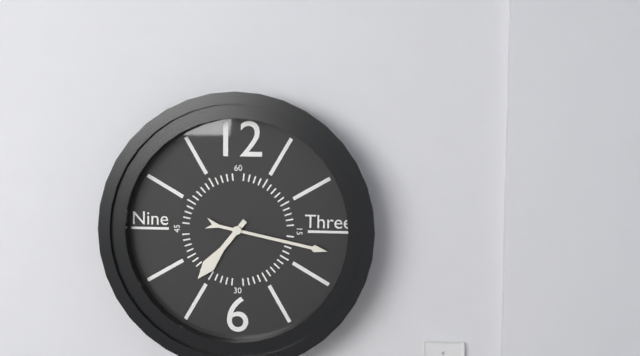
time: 7:17
